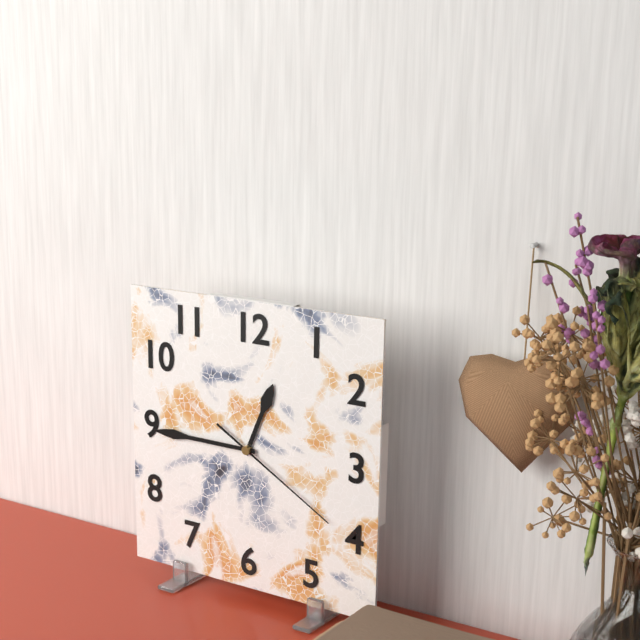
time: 12:45:20
